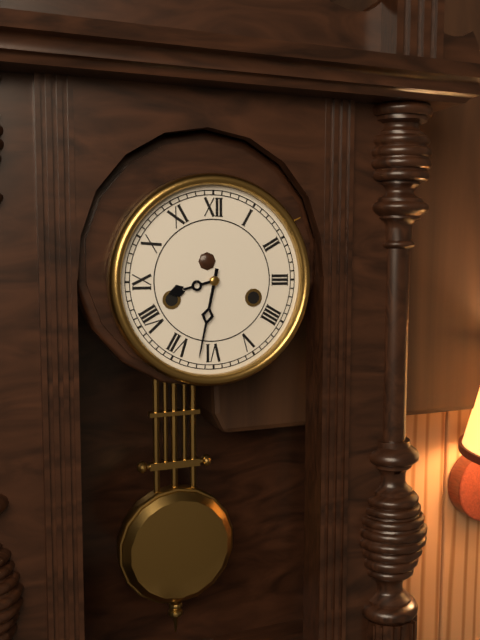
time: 8:32
